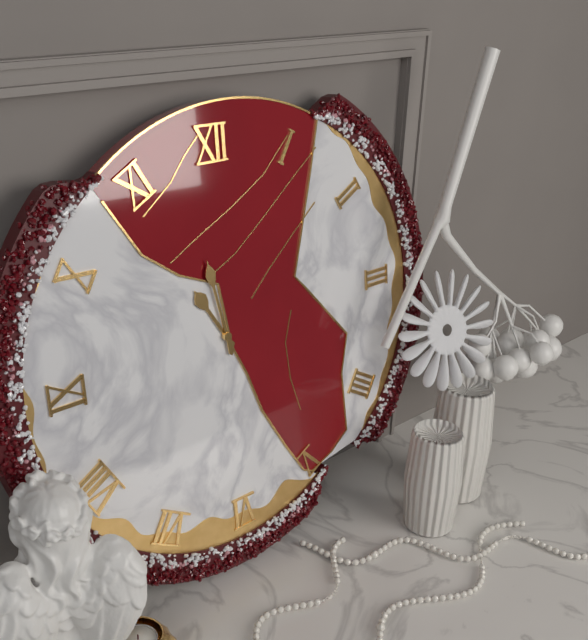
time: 10:58
